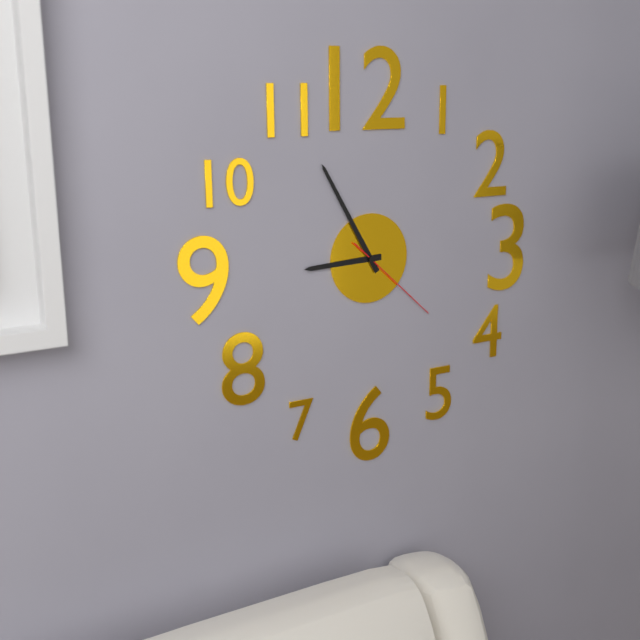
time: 8:55:22
